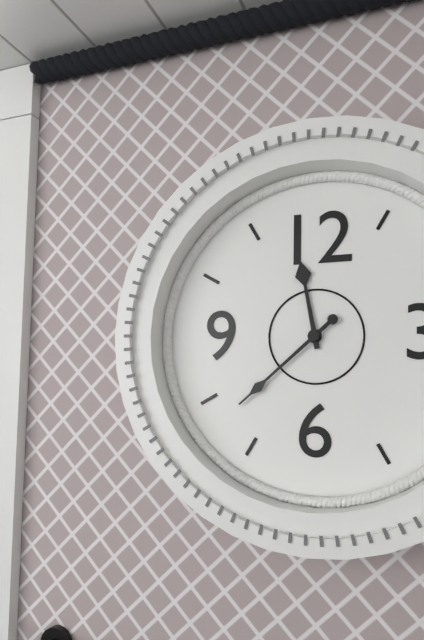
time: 11:38
